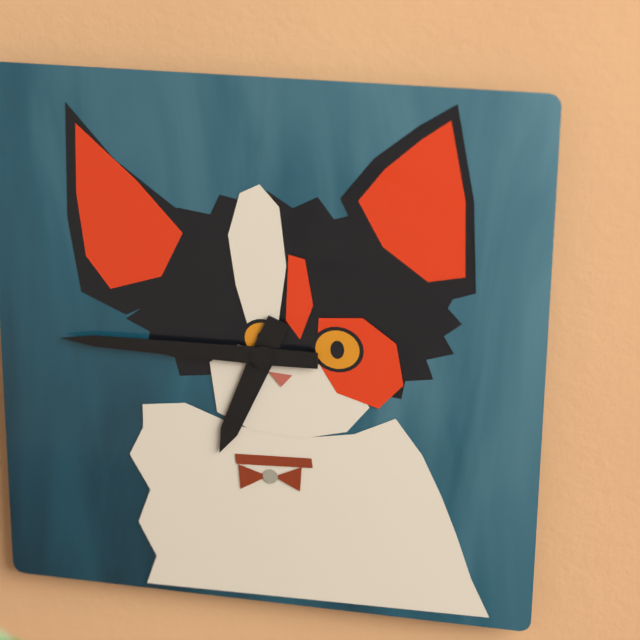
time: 6:45
